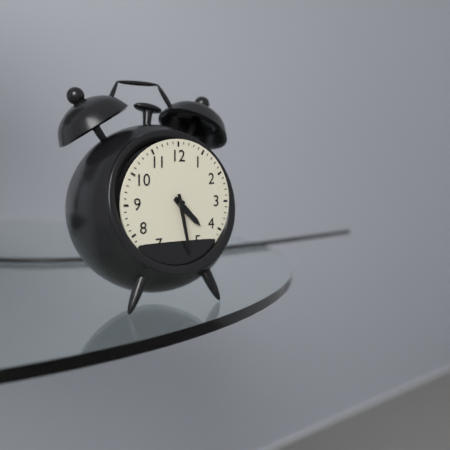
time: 4:28
